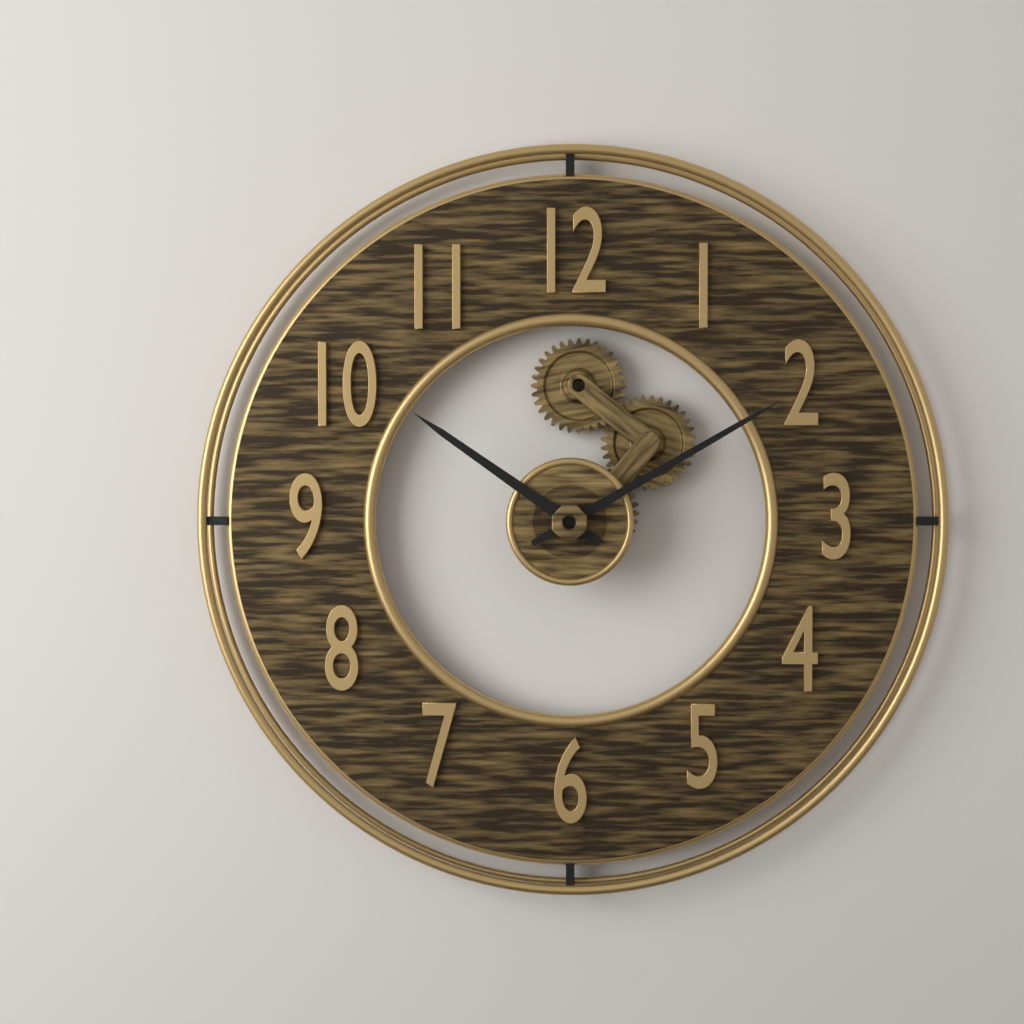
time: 10:10
